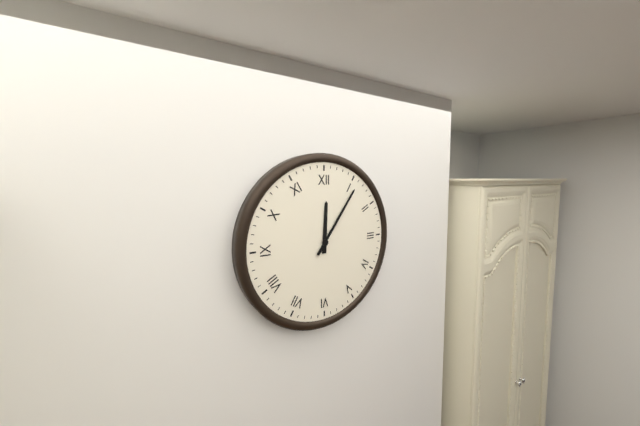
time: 12:06
